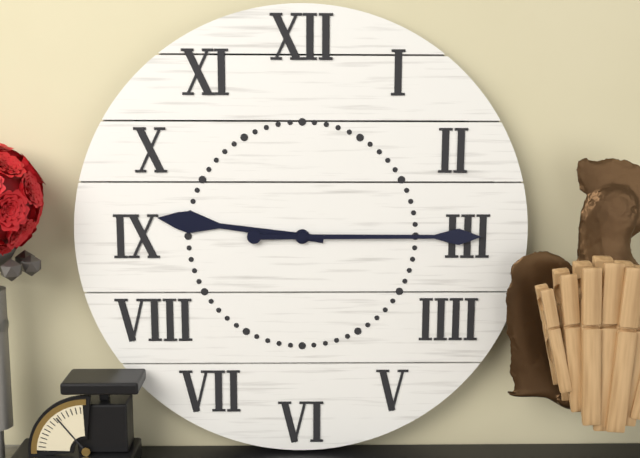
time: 9:15
